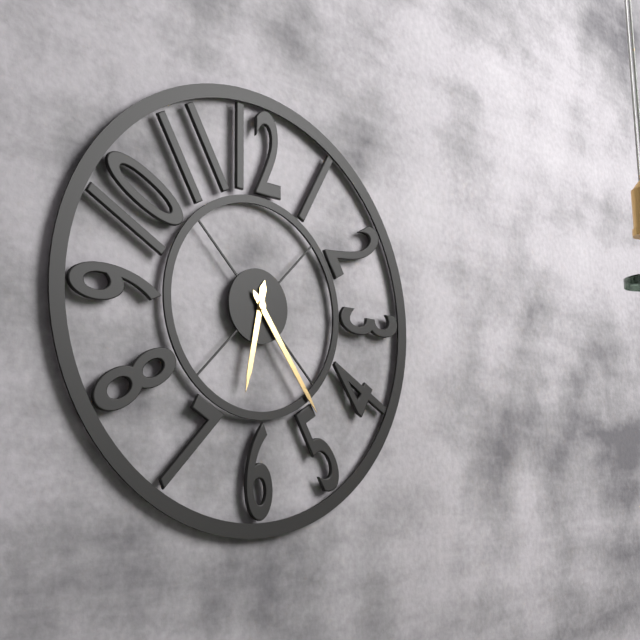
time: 6:24
